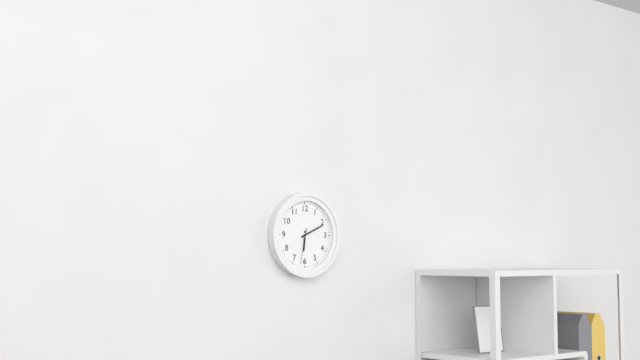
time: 6:11
